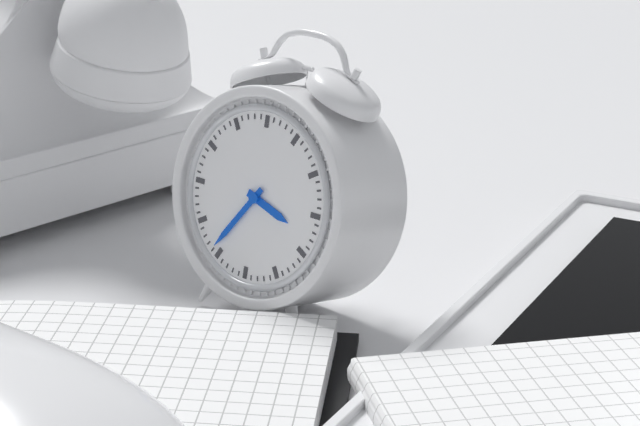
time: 3:36
